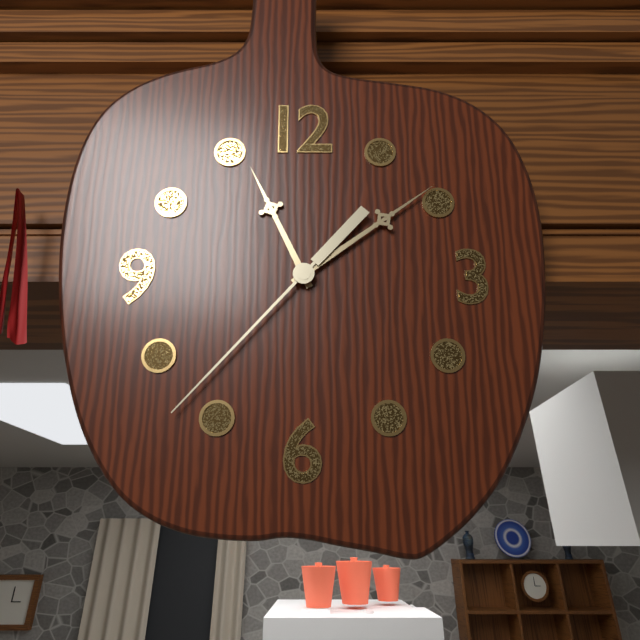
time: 11:09:37
